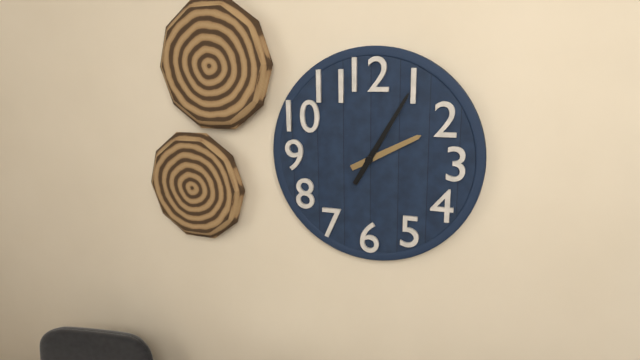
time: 2:05
